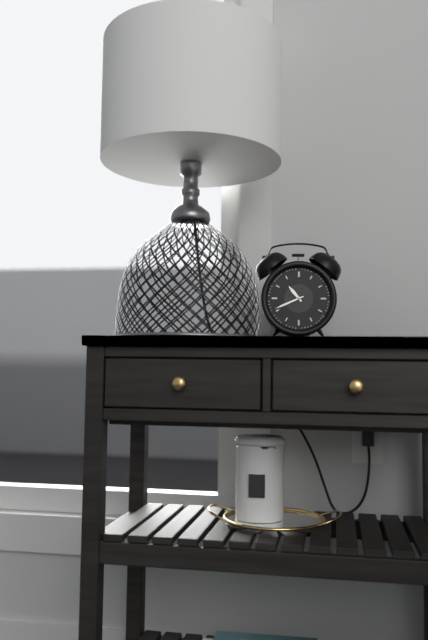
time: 10:41
